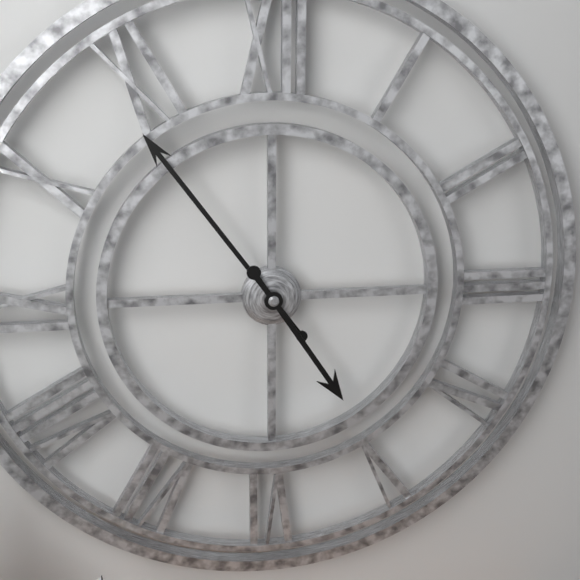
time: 4:54
